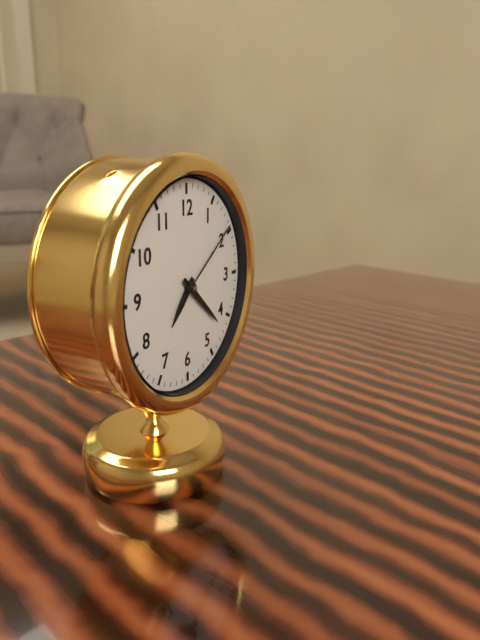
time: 7:22:09
